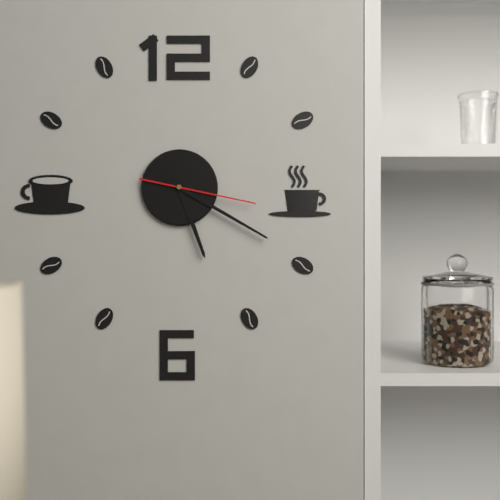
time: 5:20:17
